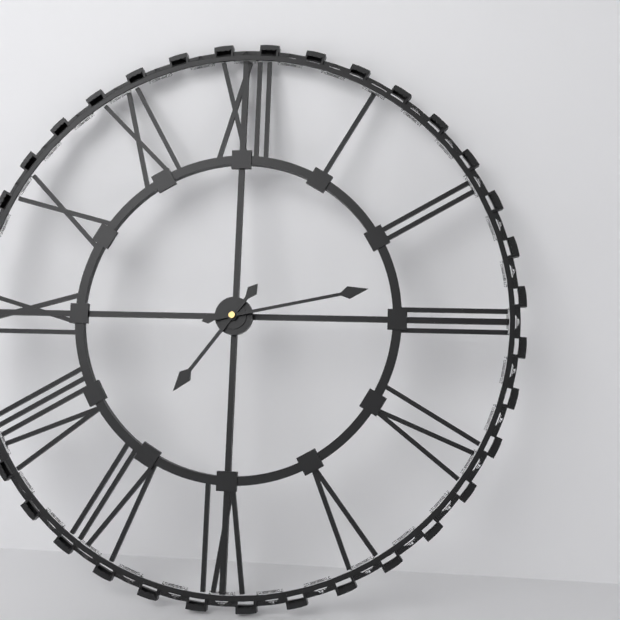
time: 7:13
